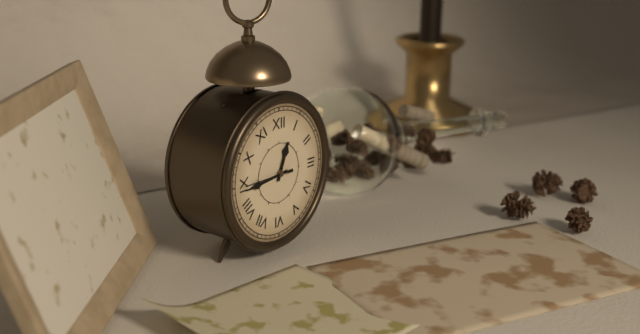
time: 12:44
